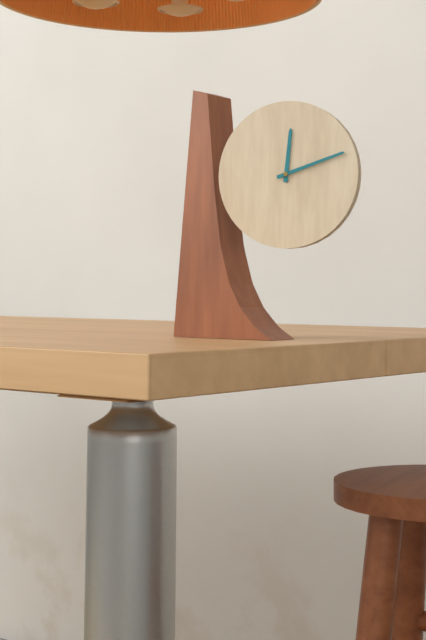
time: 12:12
